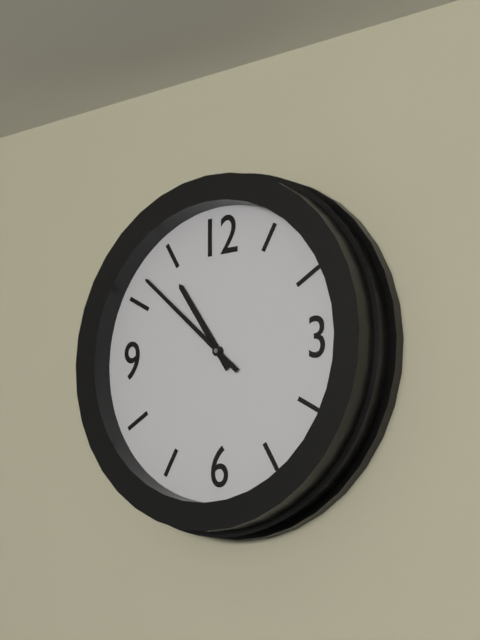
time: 10:52
